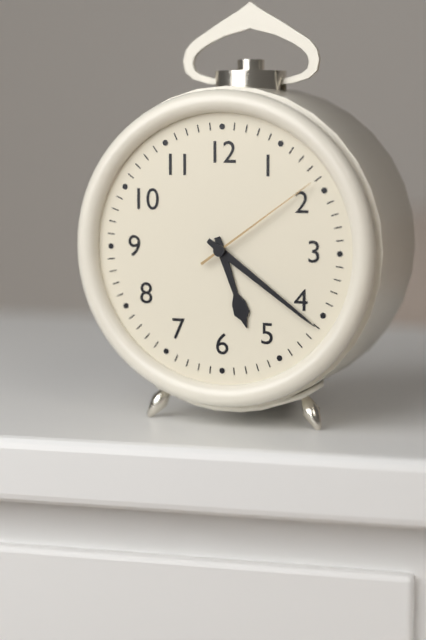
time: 5:21:09
